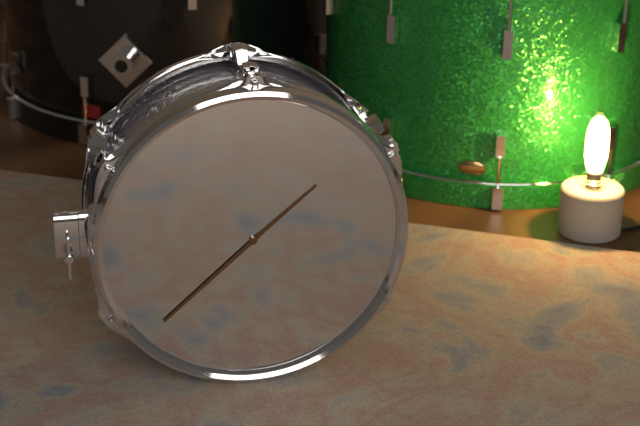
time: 1:38
